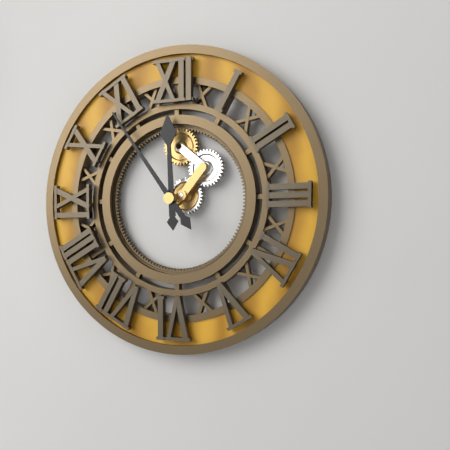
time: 11:54
